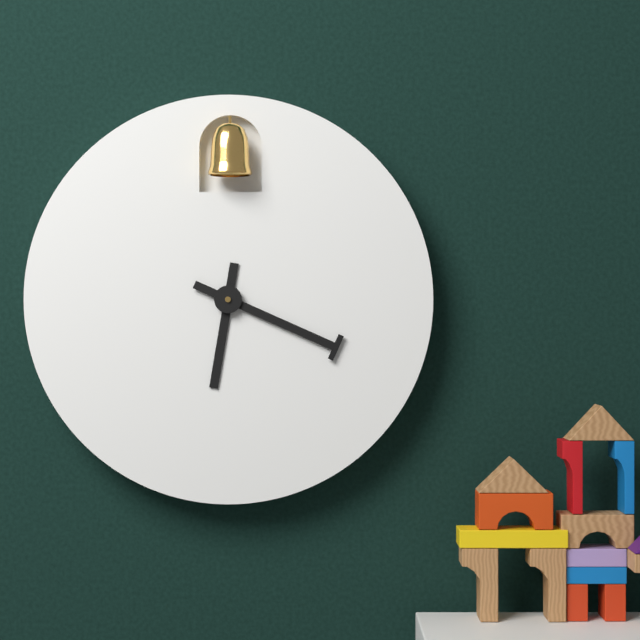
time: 6:19
